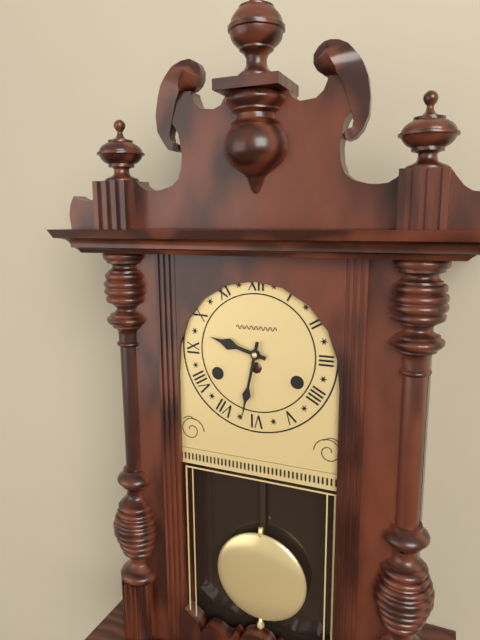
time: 9:32
